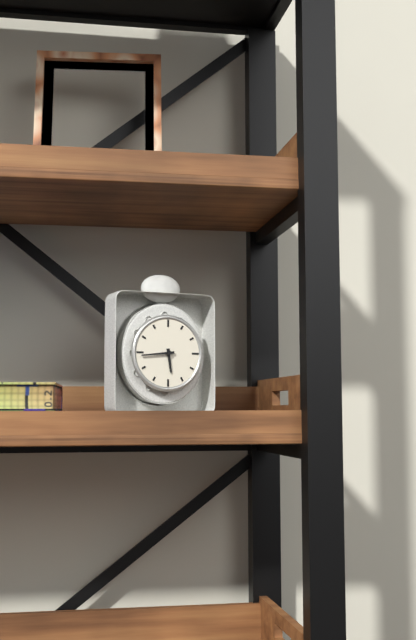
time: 5:44
